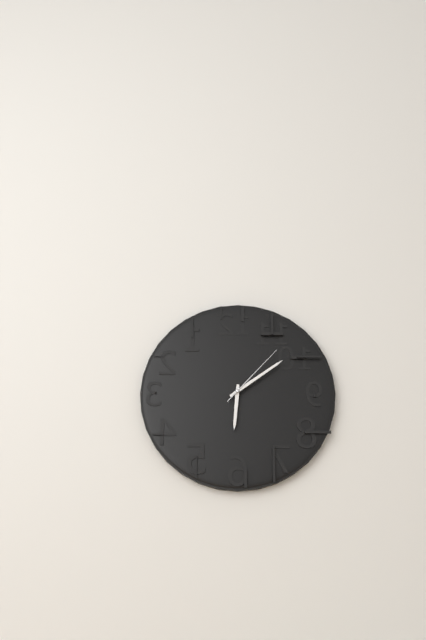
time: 6:09:07
